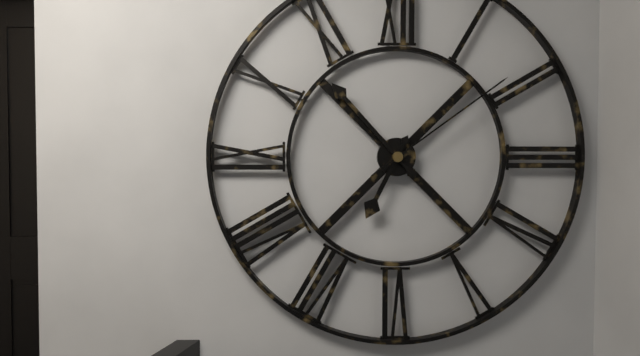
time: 6:53:09
